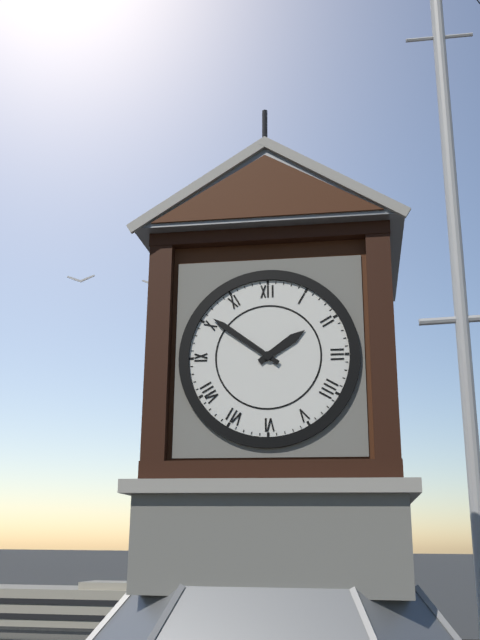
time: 1:51
